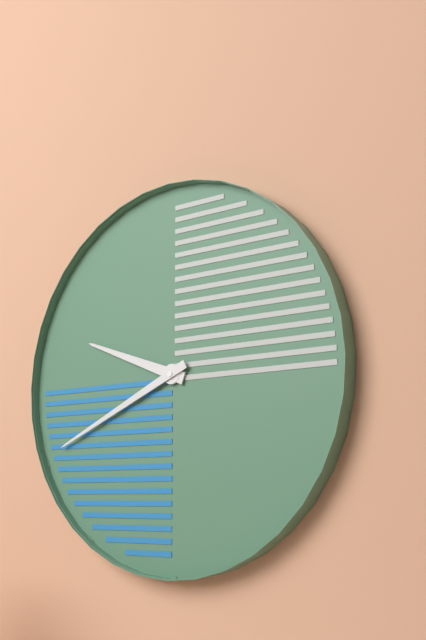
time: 9:41
